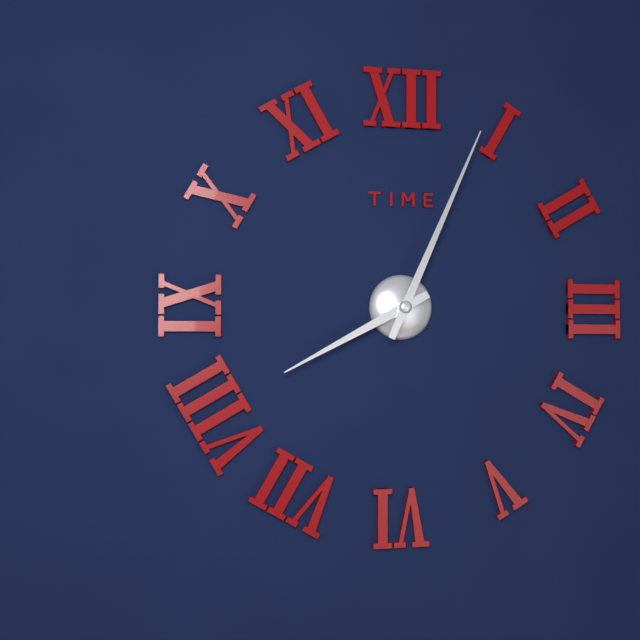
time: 8:04
